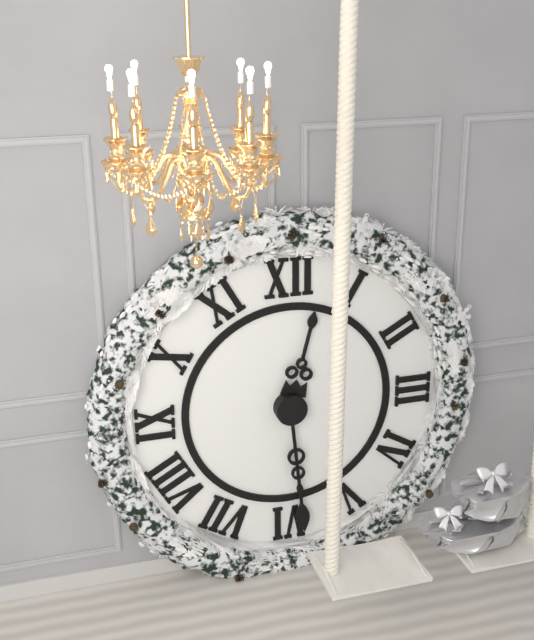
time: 12:29
